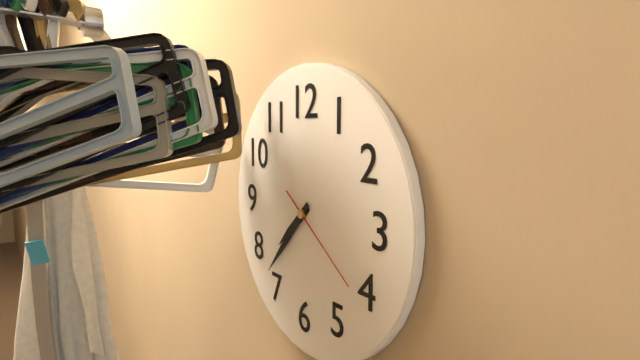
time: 7:37:21
